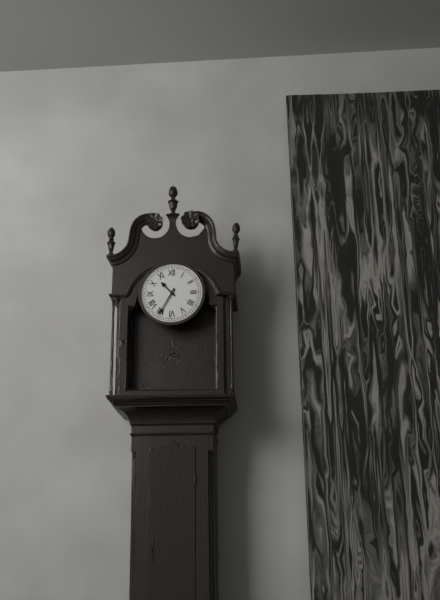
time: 10:35
